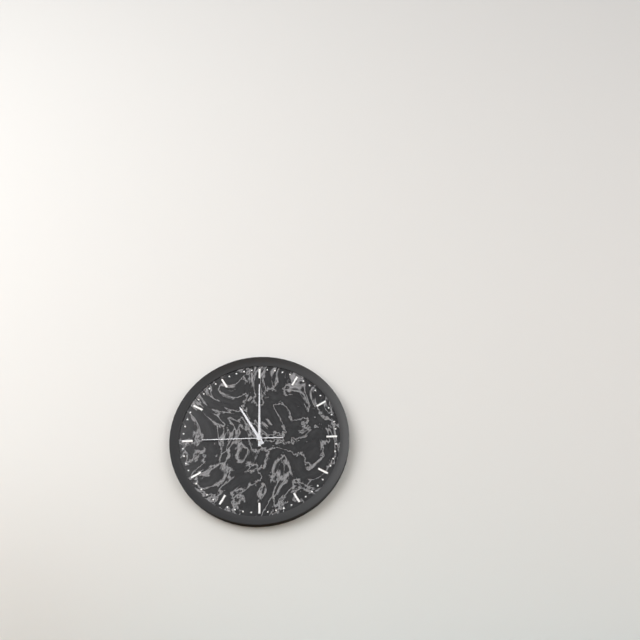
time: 11:00:45
